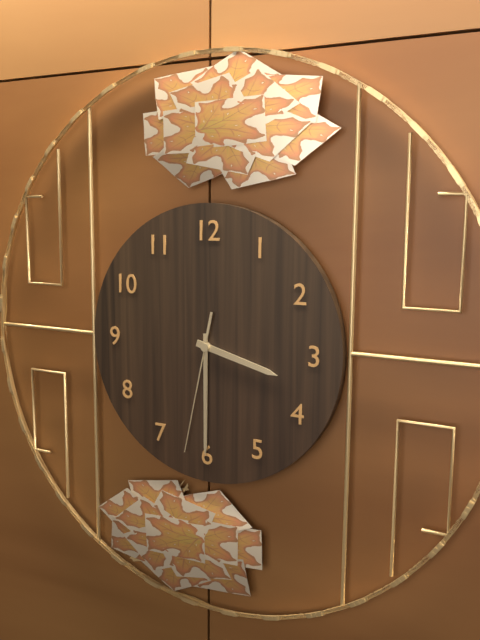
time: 3:30:32
